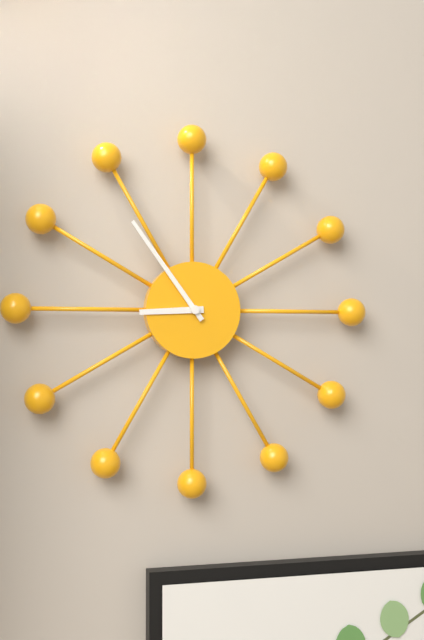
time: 8:54
